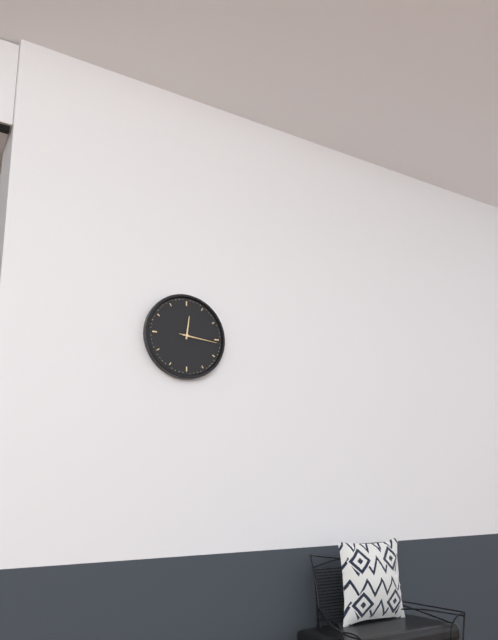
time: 12:16
